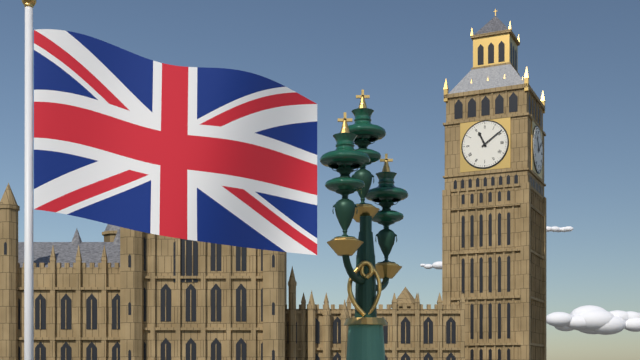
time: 11:09
